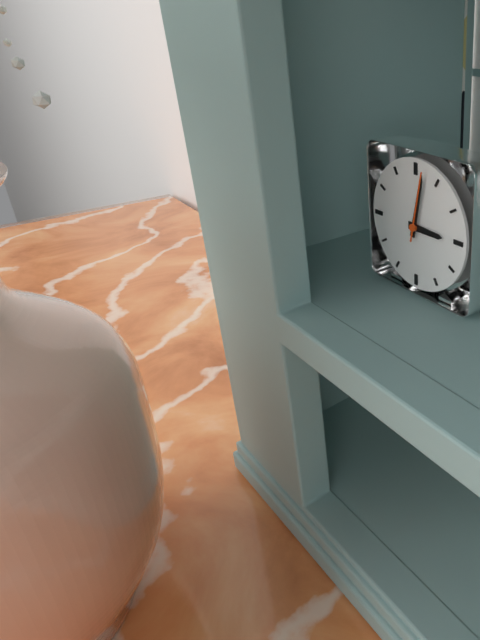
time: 3:02:02
